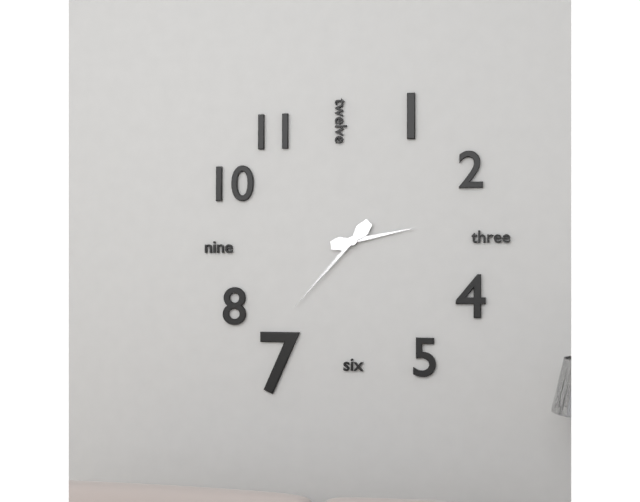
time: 2:37
